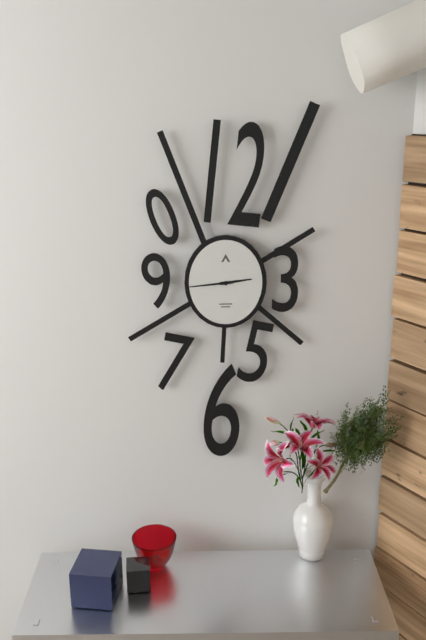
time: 2:44
